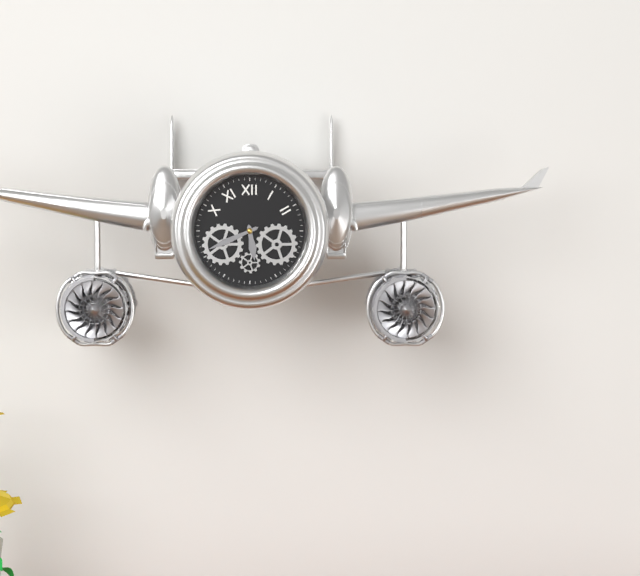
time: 5:41
